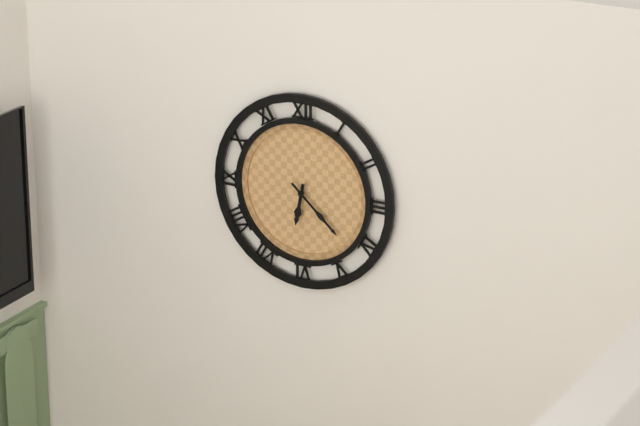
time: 6:22
